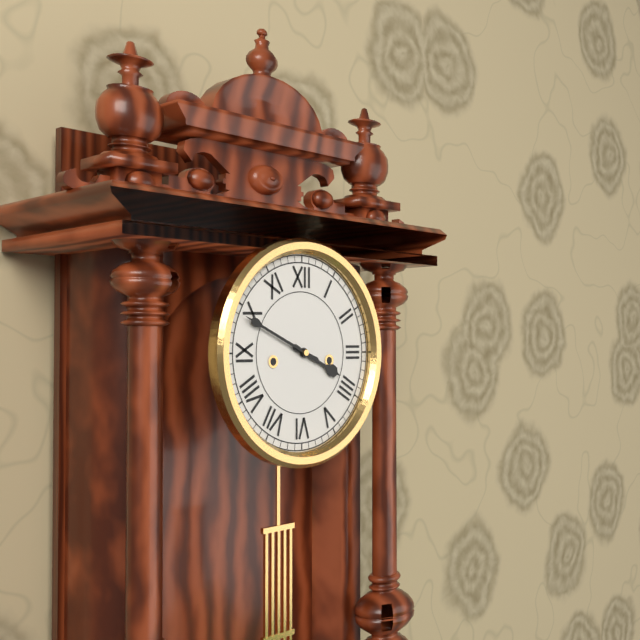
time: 3:49
